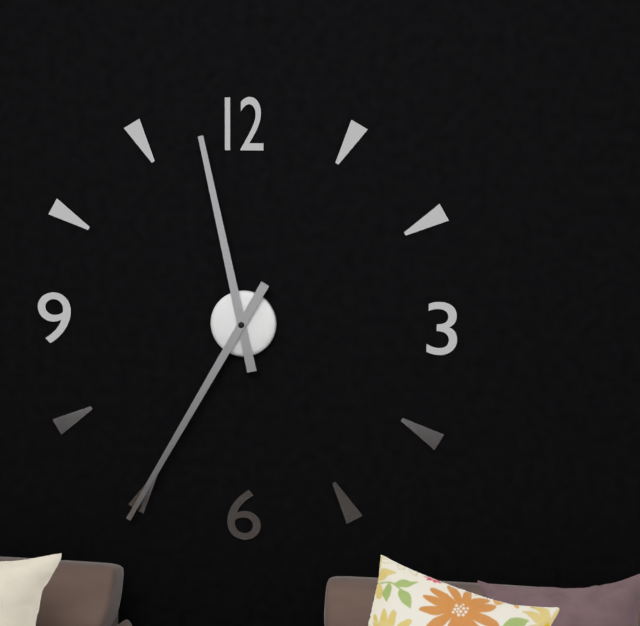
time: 11:35
